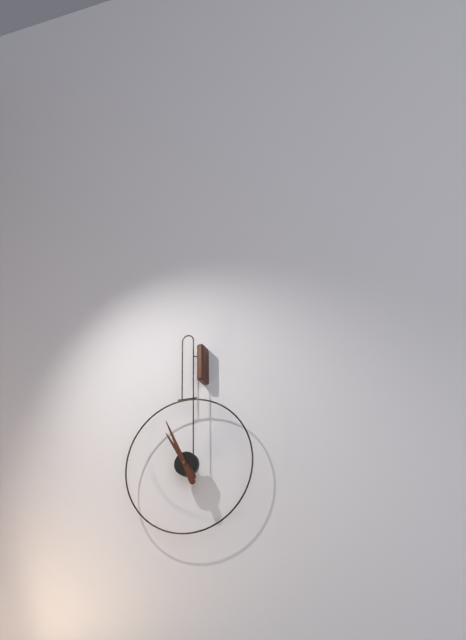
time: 10:56
